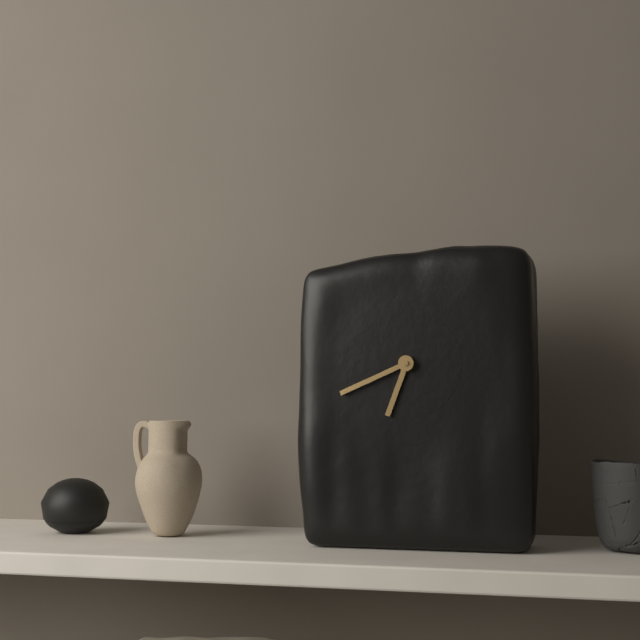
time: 6:41
